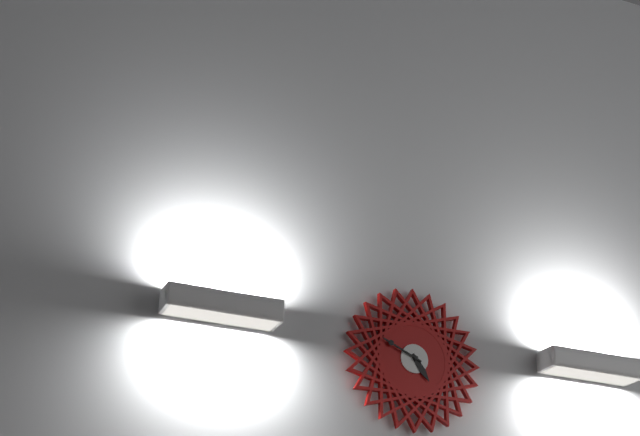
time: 4:49
